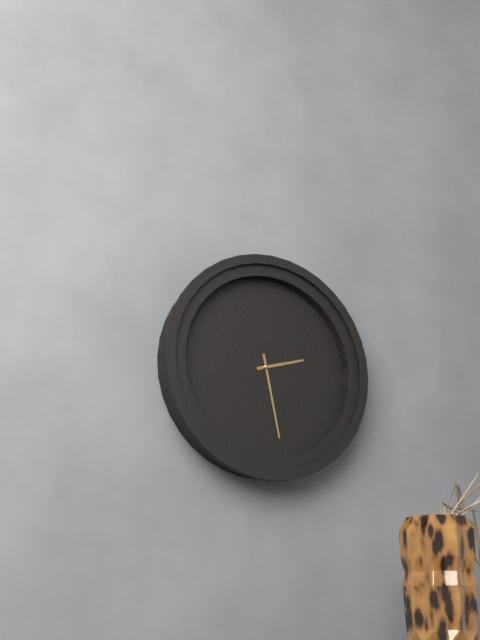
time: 2:28
